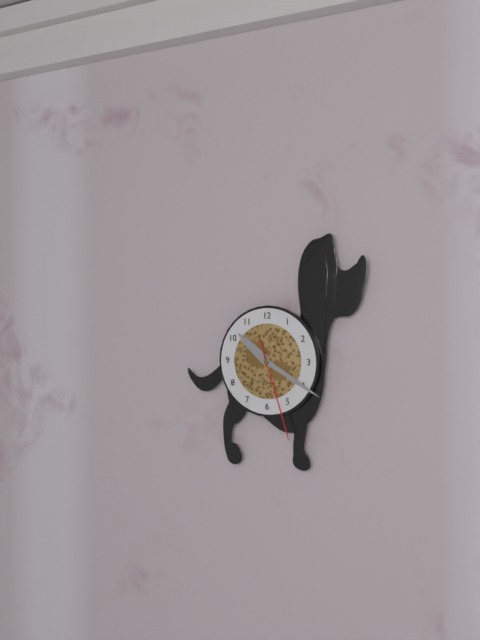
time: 10:20:27
